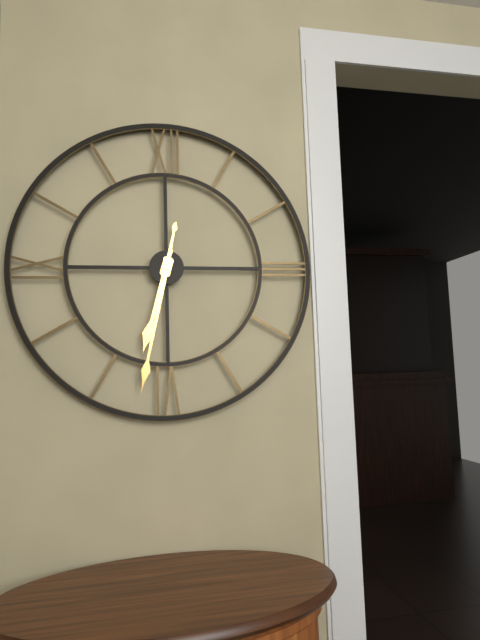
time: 6:32
